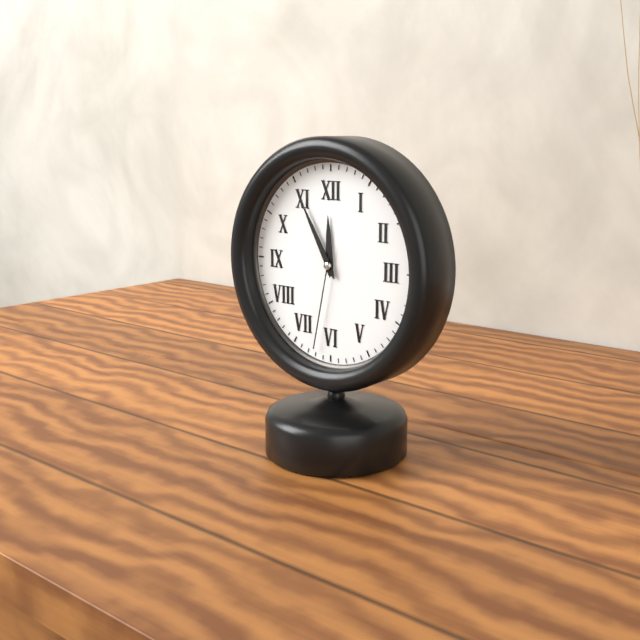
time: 11:55:32
